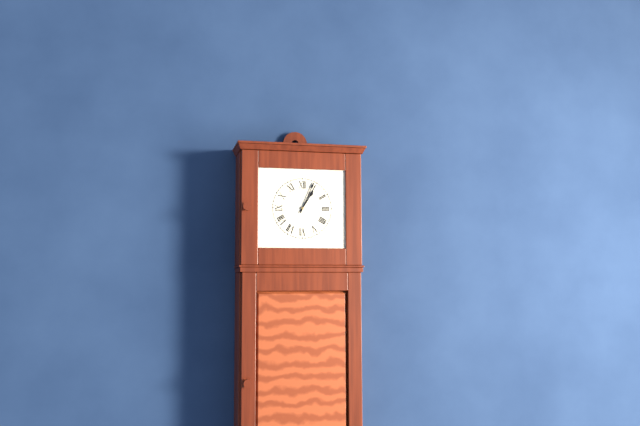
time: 1:04
